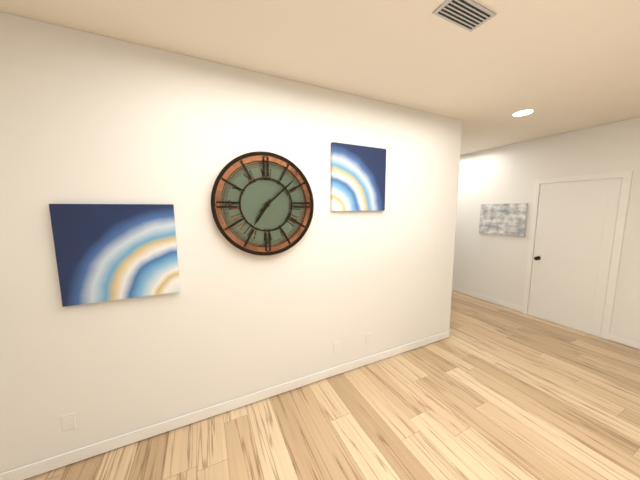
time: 7:08
